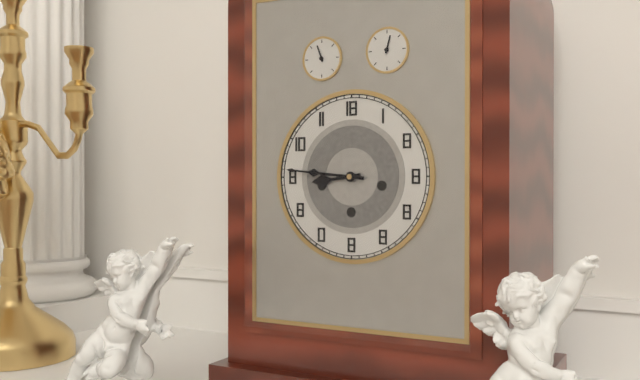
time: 8:46
